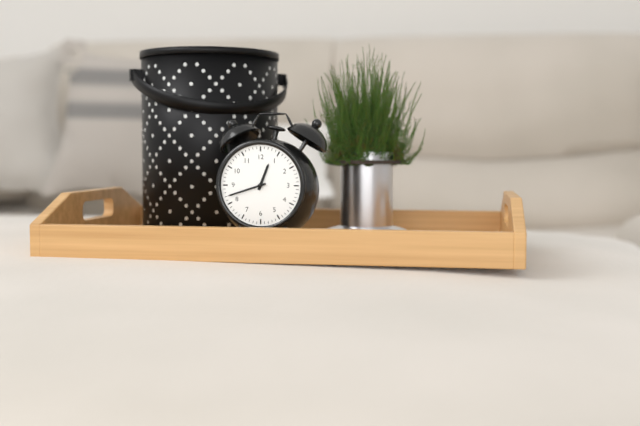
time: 12:42
